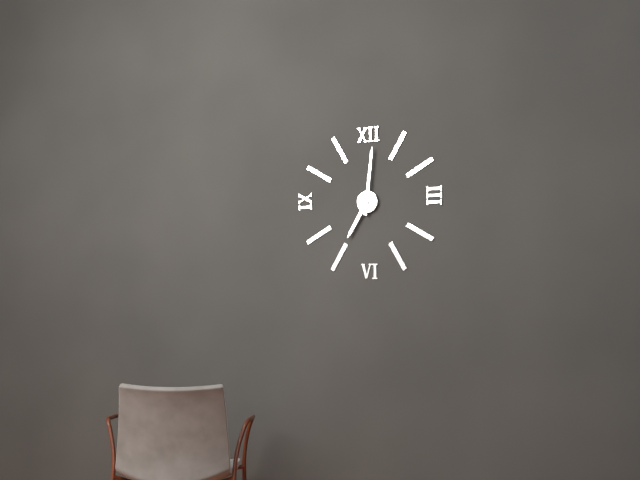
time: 7:01
